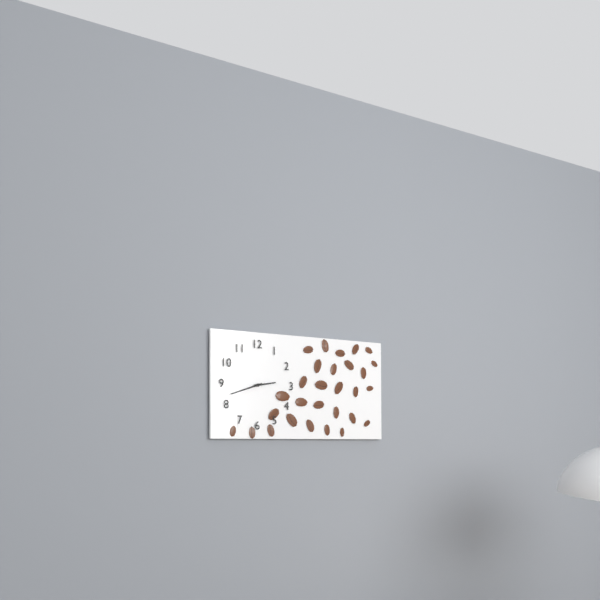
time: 2:42
